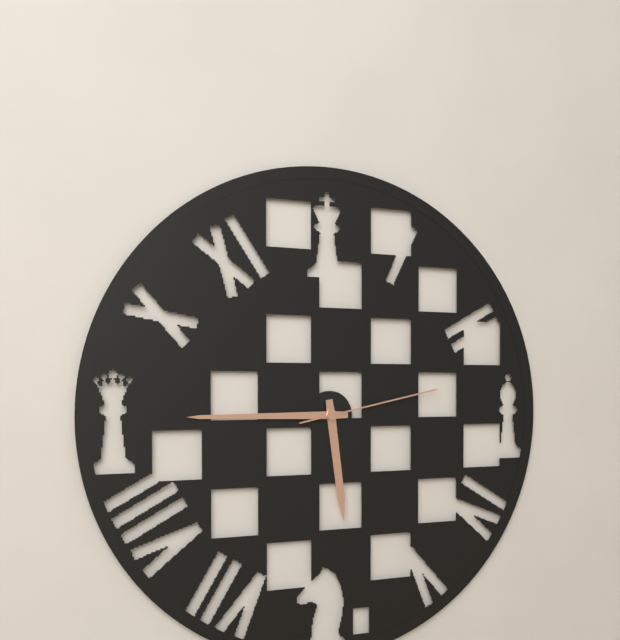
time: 5:45:13
